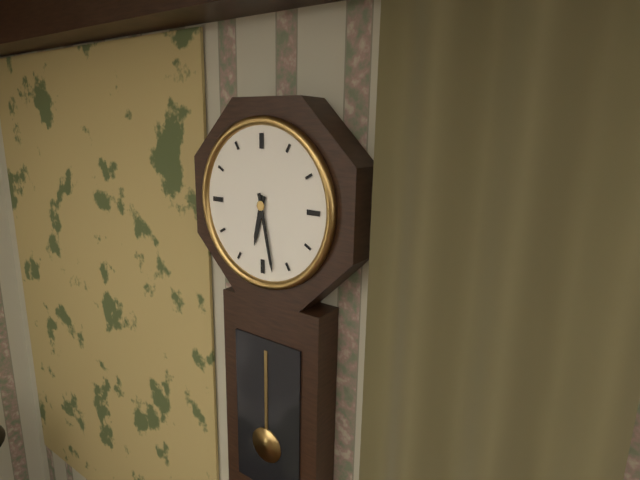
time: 6:28
